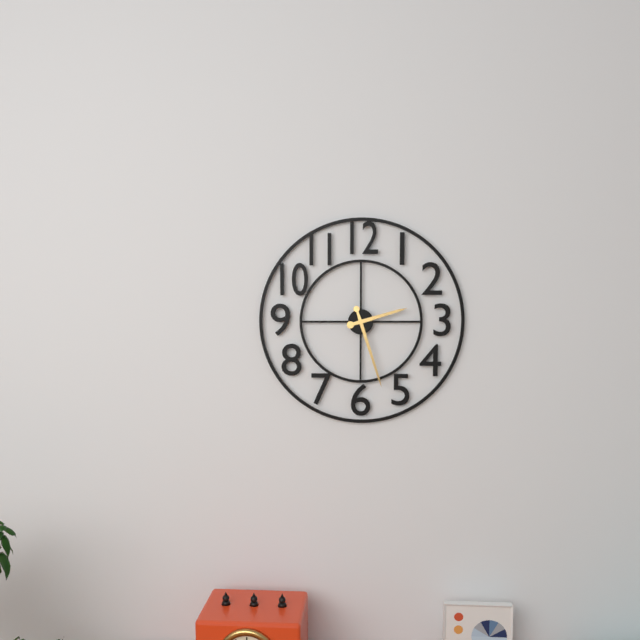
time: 2:27
